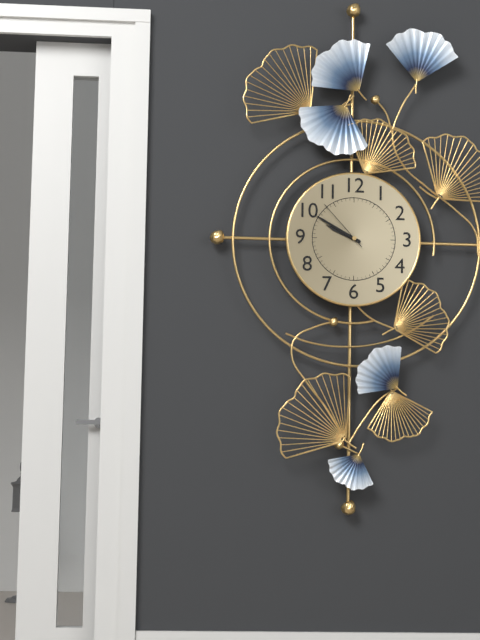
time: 9:50:53
